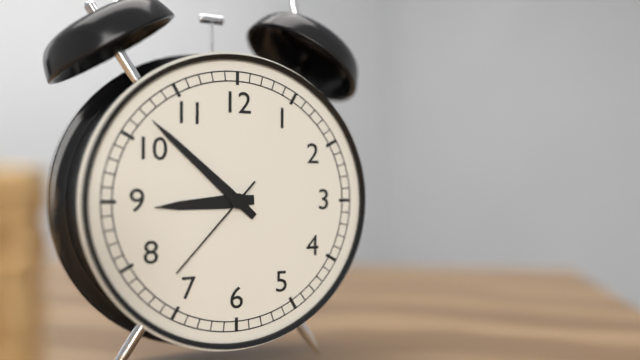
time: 8:52:37
